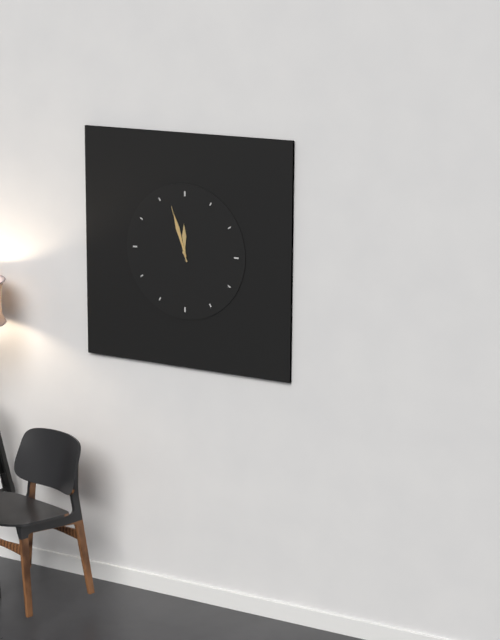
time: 11:57:57
